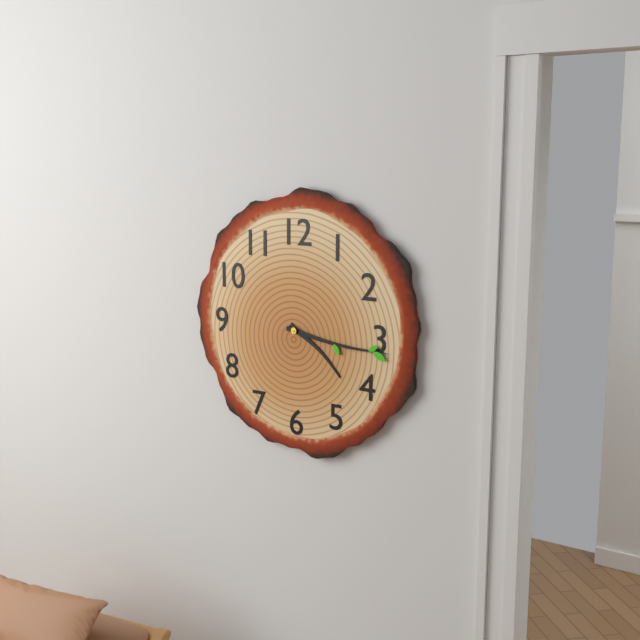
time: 4:16
